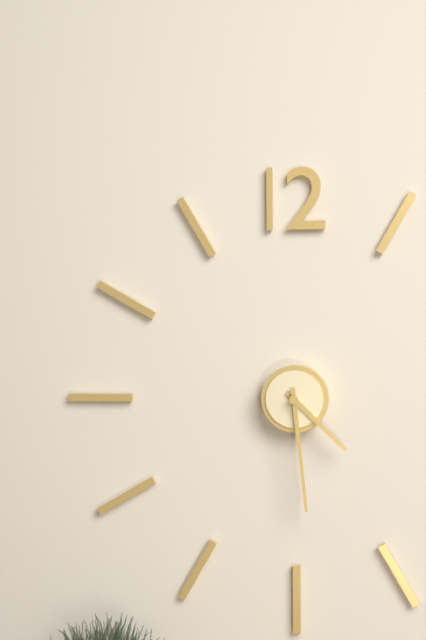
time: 4:29
